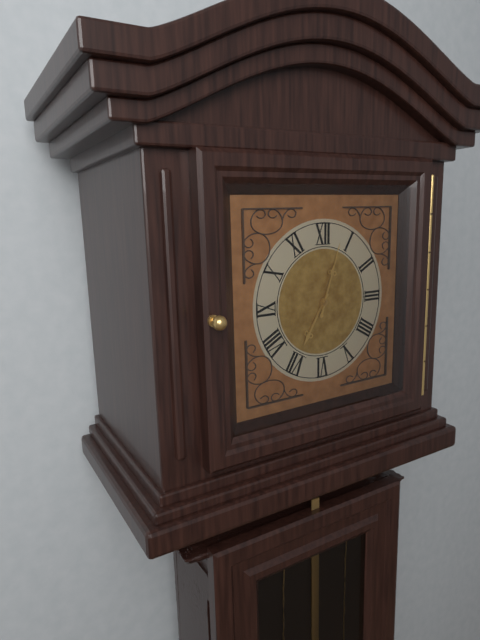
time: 7:03
